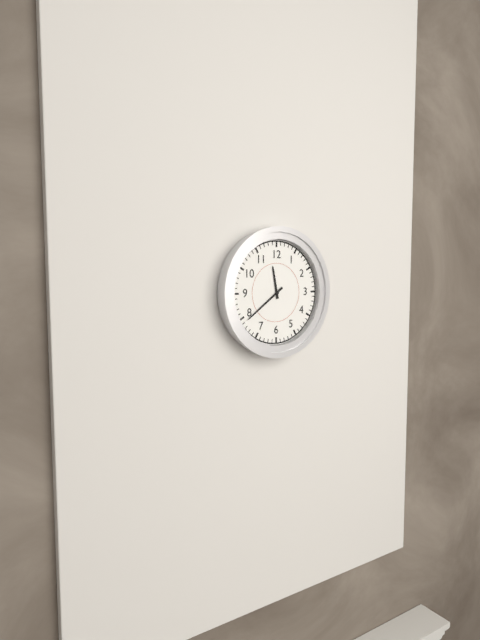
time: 11:39
